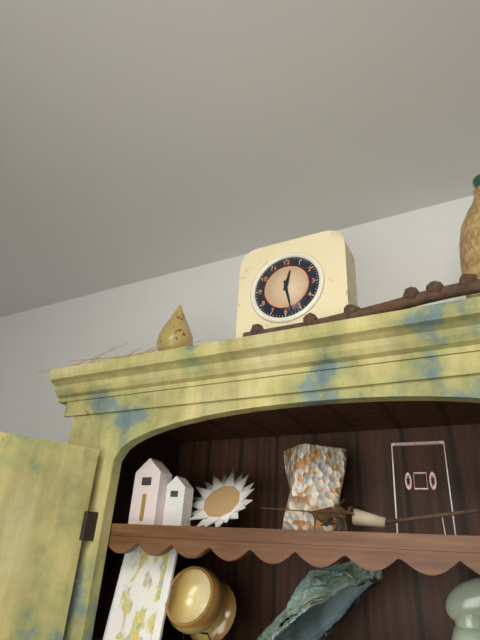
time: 12:28
